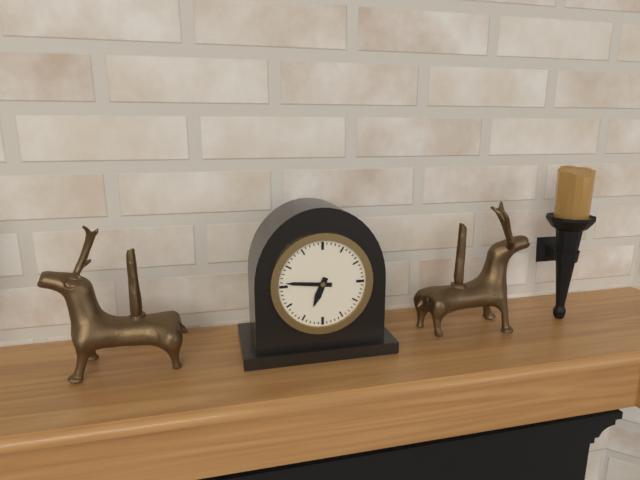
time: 6:46
